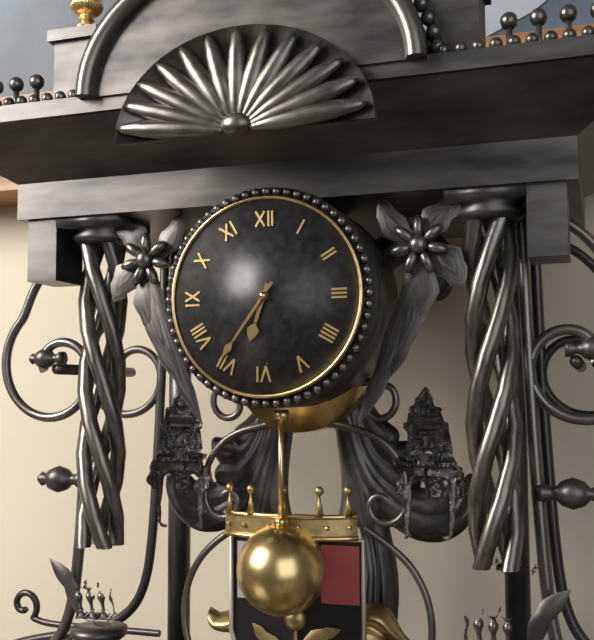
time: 6:36
